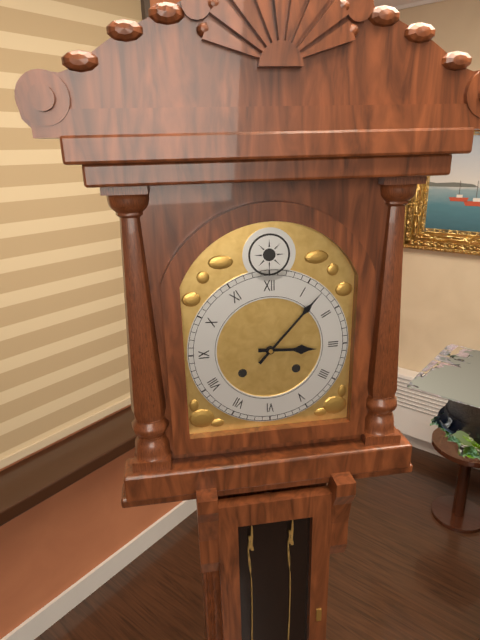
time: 3:07
